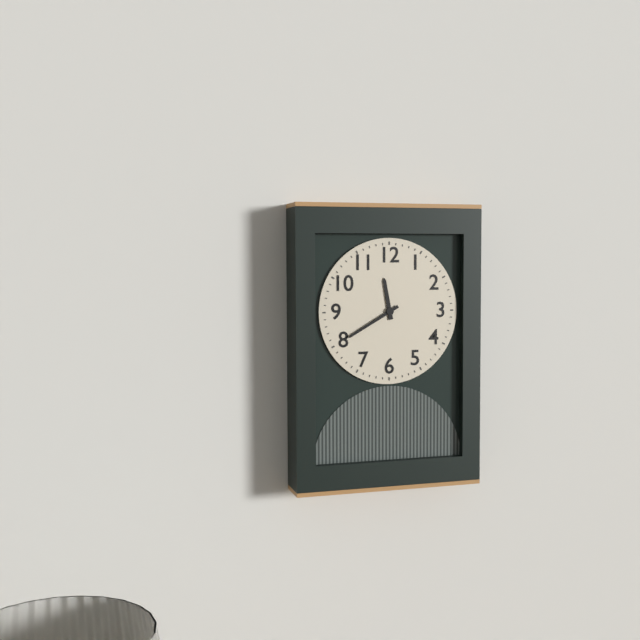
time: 11:40
